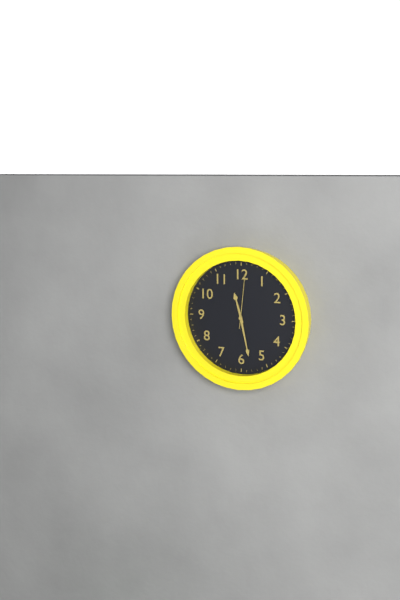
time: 11:28:01
